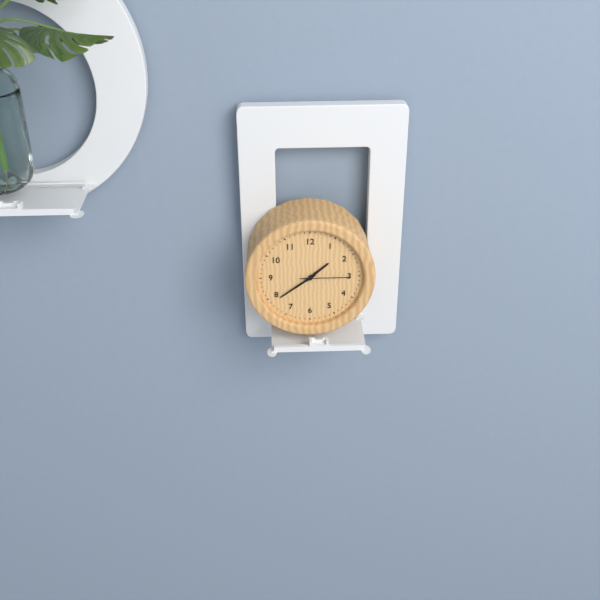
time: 1:39:15
